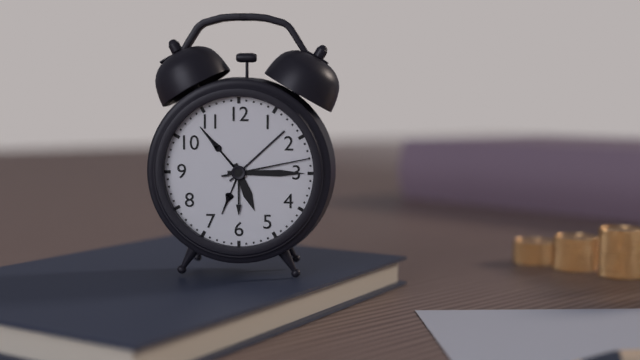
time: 5:15:13
